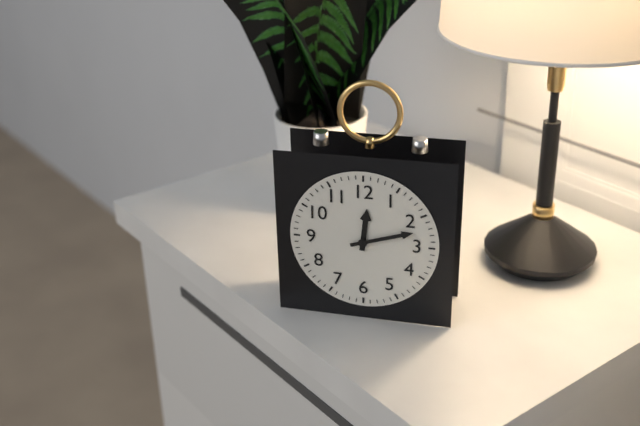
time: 12:12
